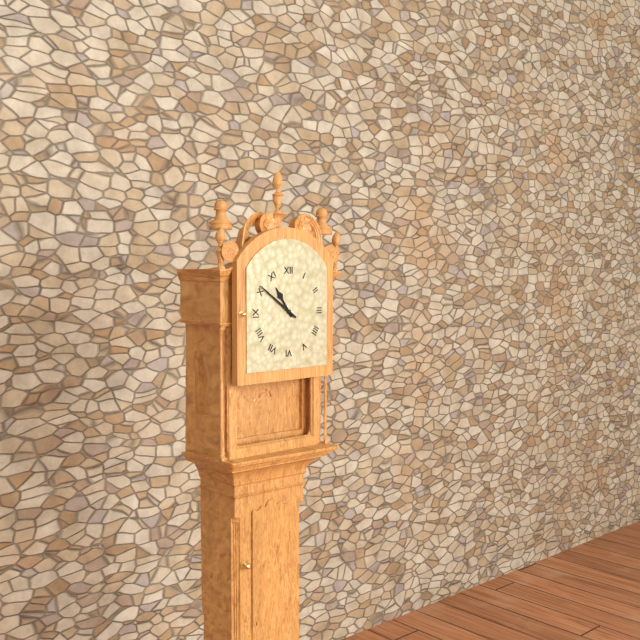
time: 10:51
